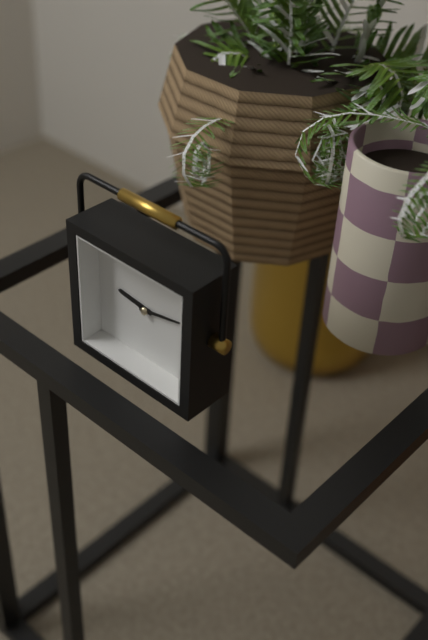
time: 9:13
